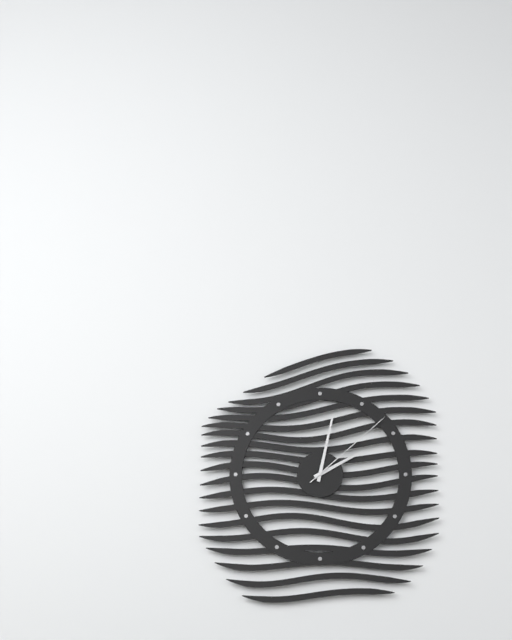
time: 2:02:08
